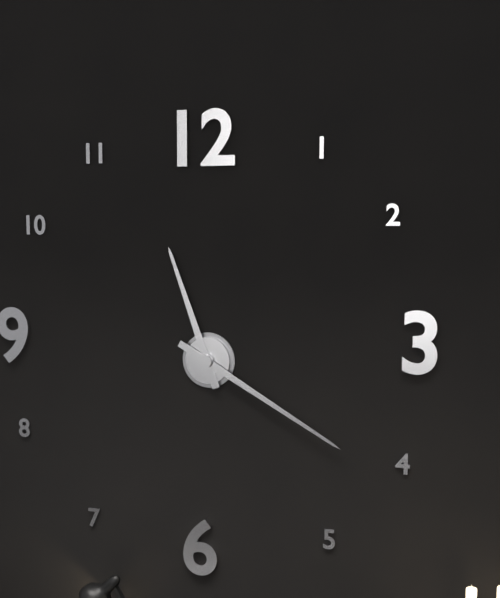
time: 11:20
